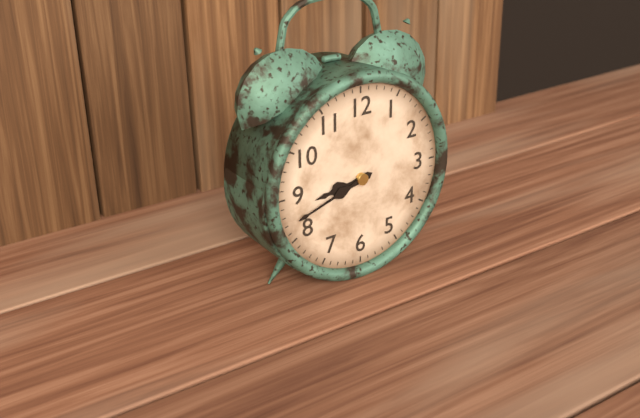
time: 8:42
